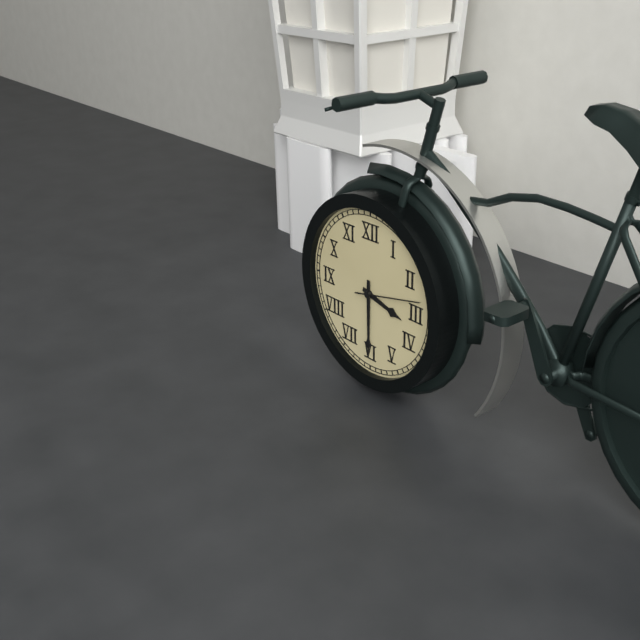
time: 3:30:13
